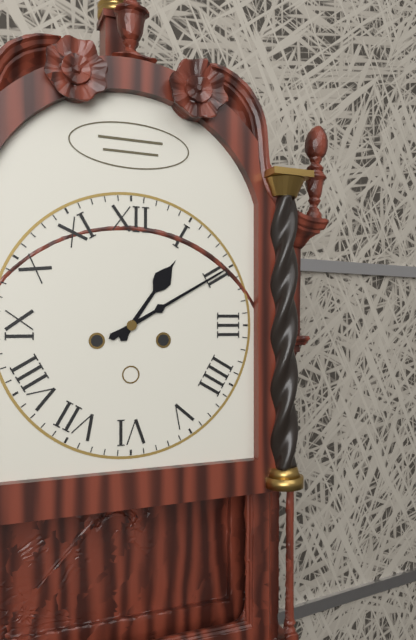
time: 1:10
